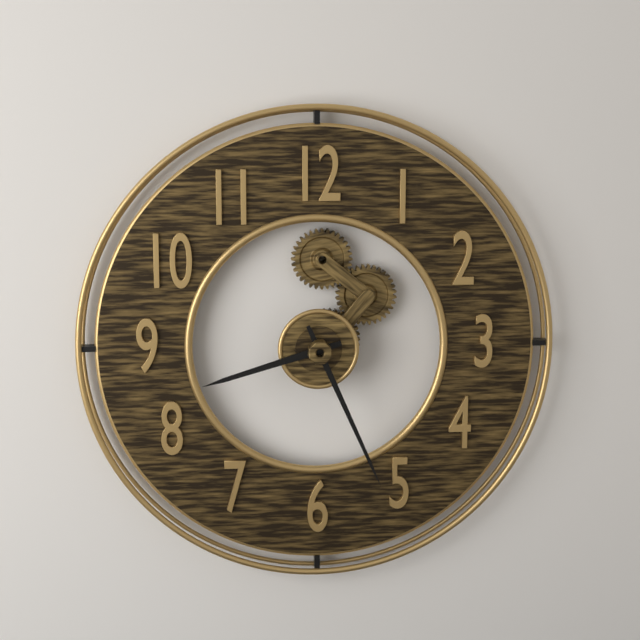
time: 8:26
